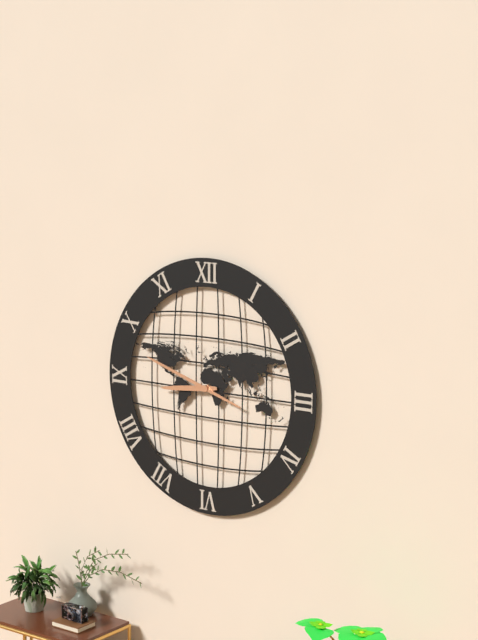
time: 8:48
